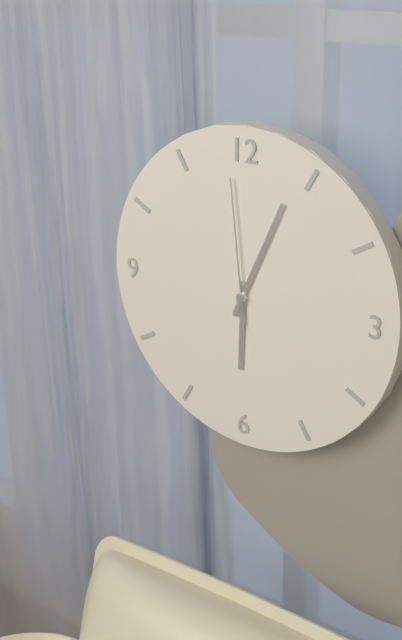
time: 6:04:59
